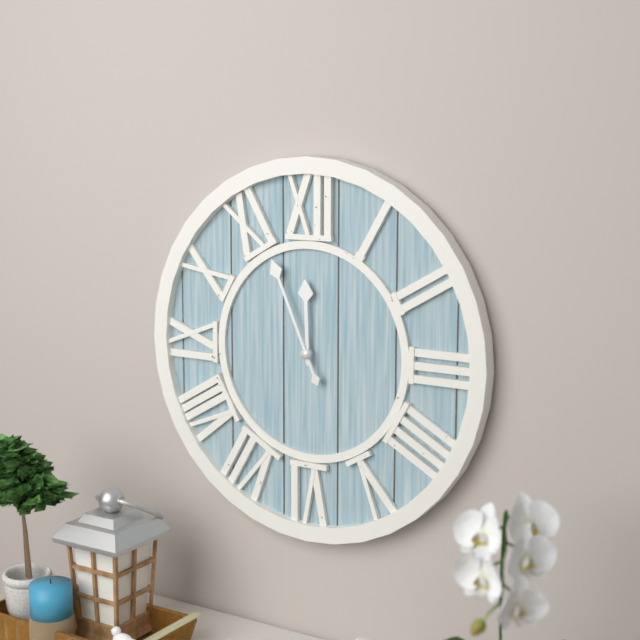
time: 11:56
